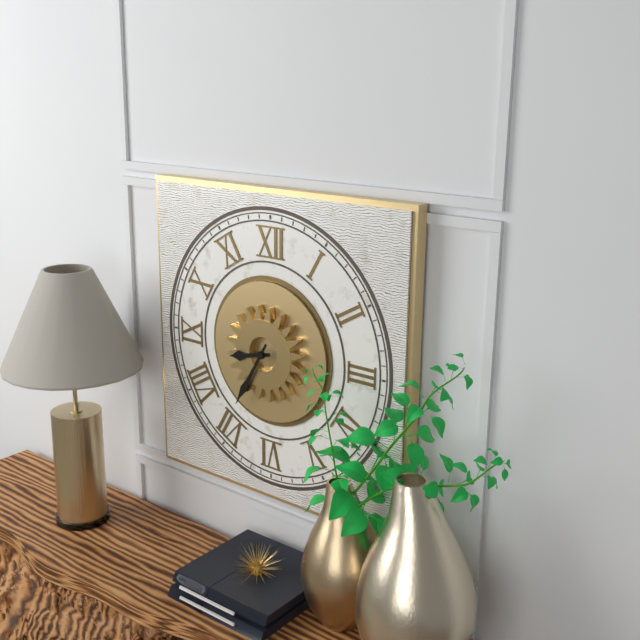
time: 8:35
